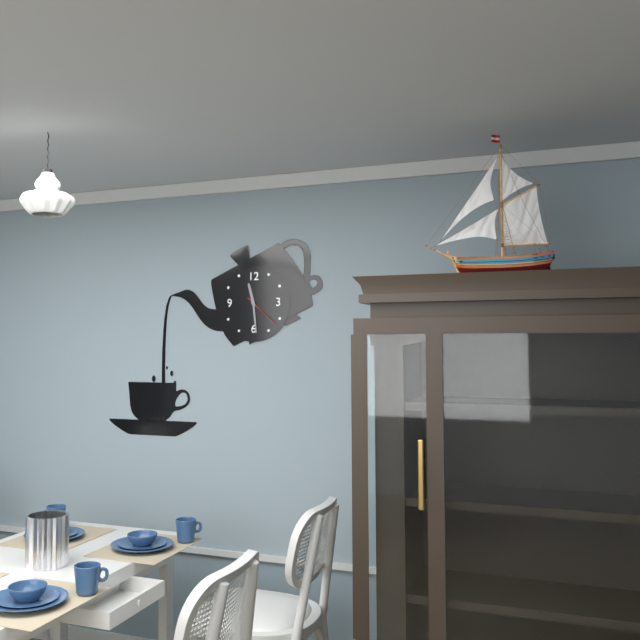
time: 11:29
